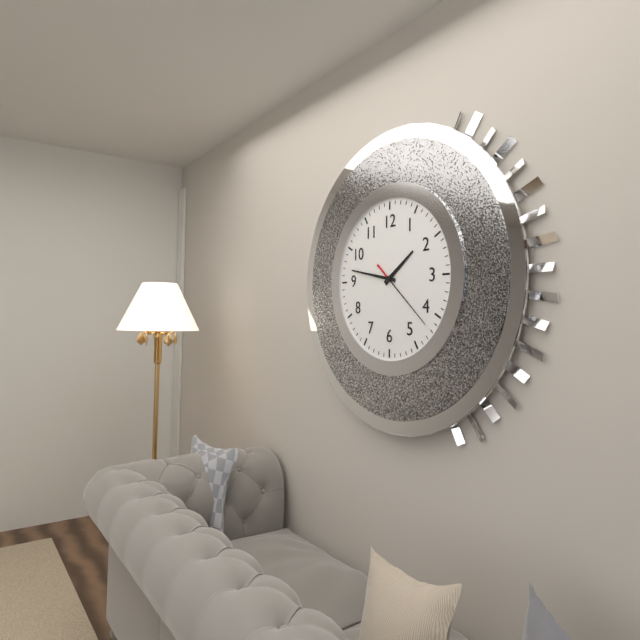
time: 1:47:22
